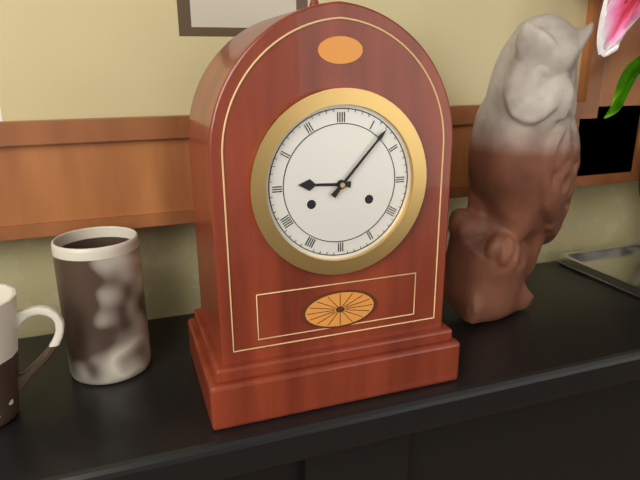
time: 9:07
